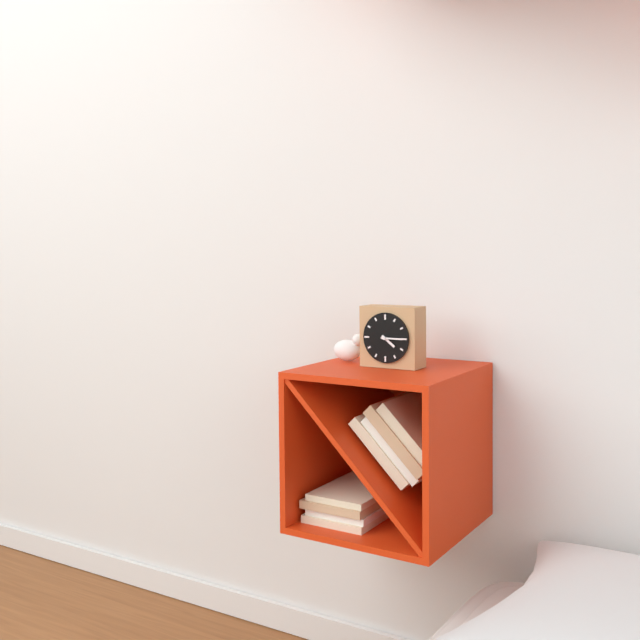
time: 4:15
